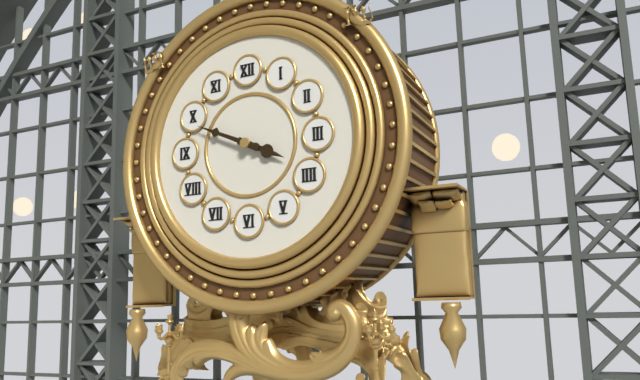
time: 3:49
